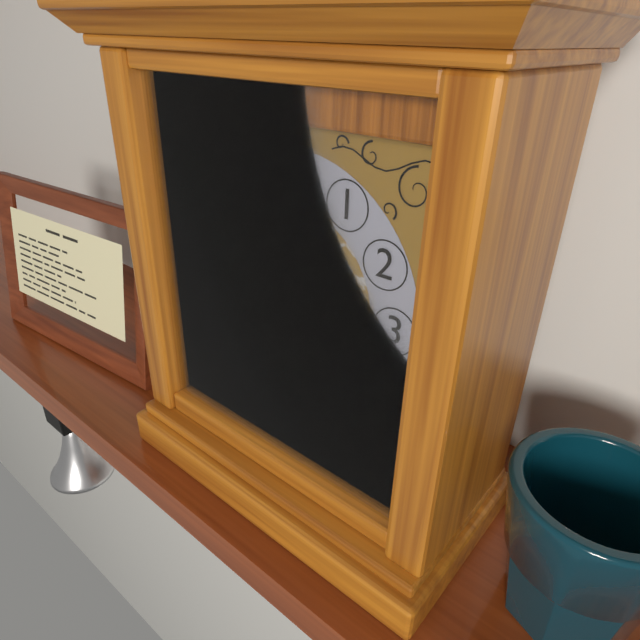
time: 9:53
